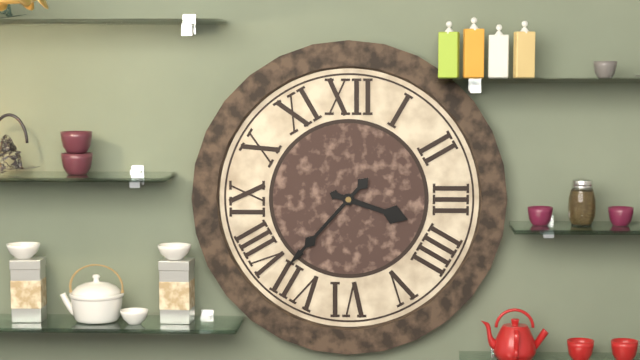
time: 3:37
